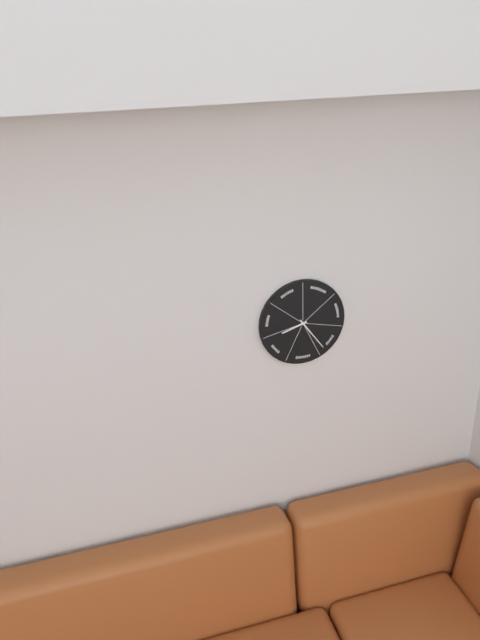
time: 8:24
